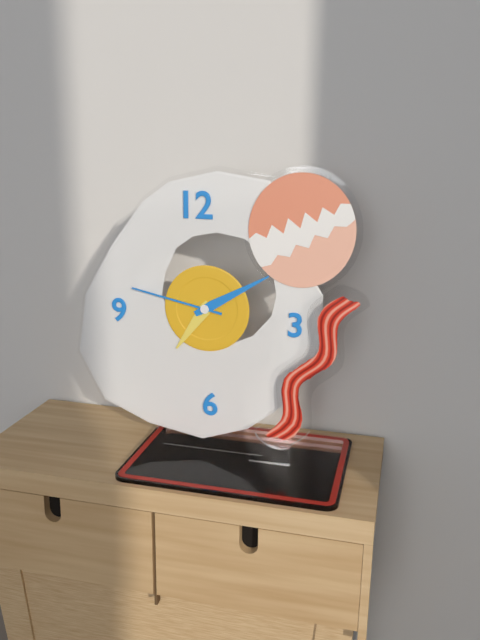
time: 7:10:47
